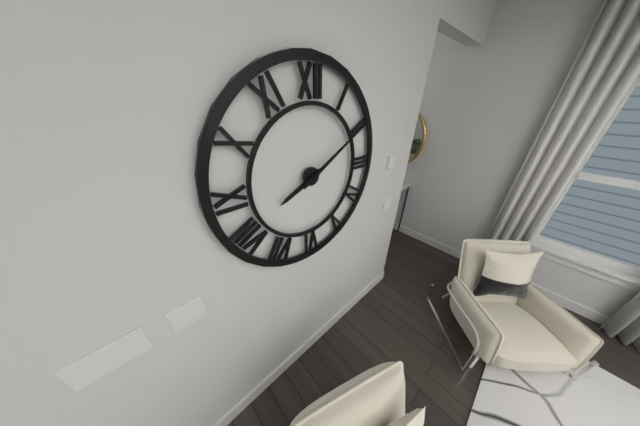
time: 8:10
